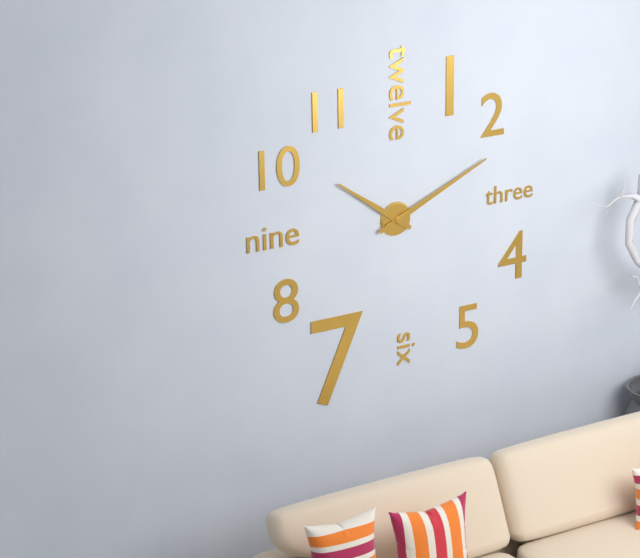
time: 10:11
